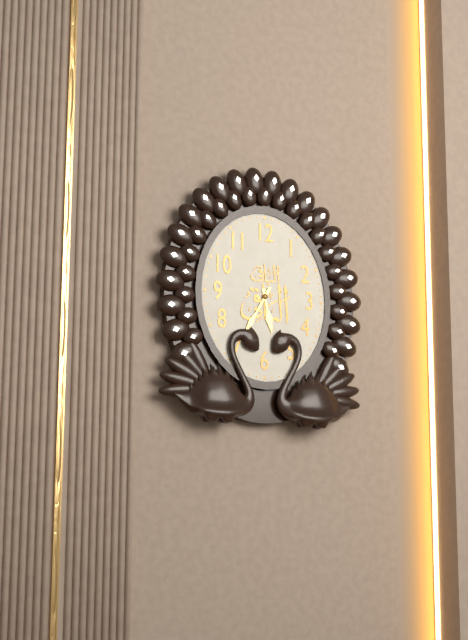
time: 5:35
